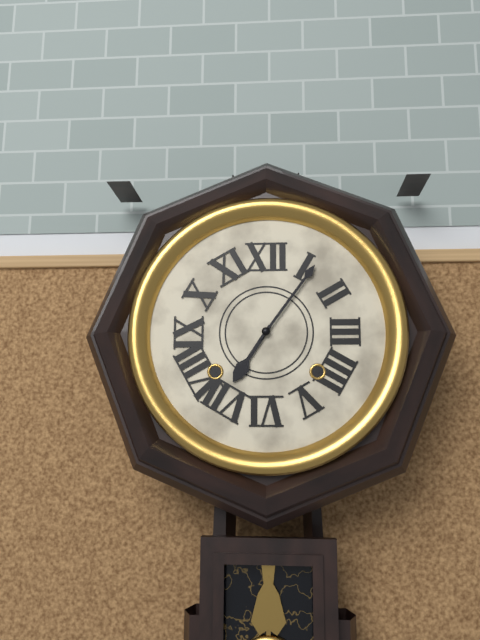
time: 7:06
